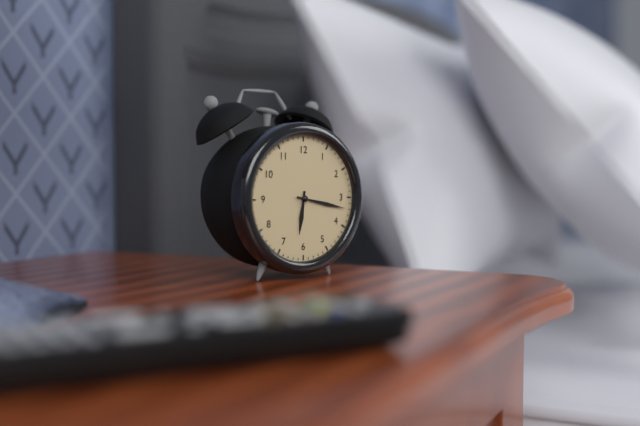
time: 6:17
